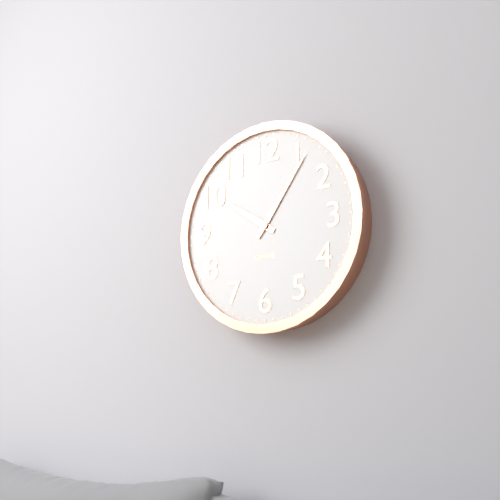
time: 10:06
